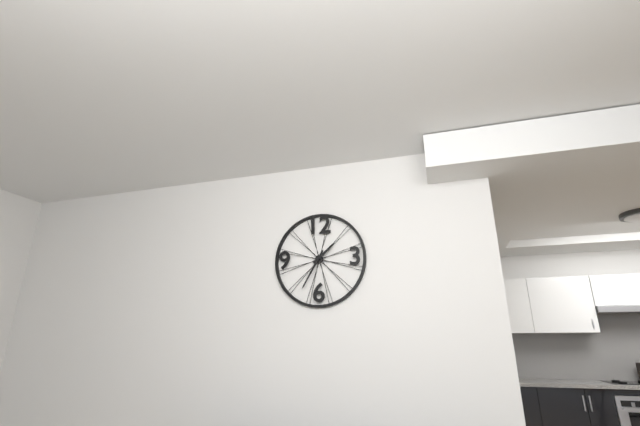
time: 1:35
